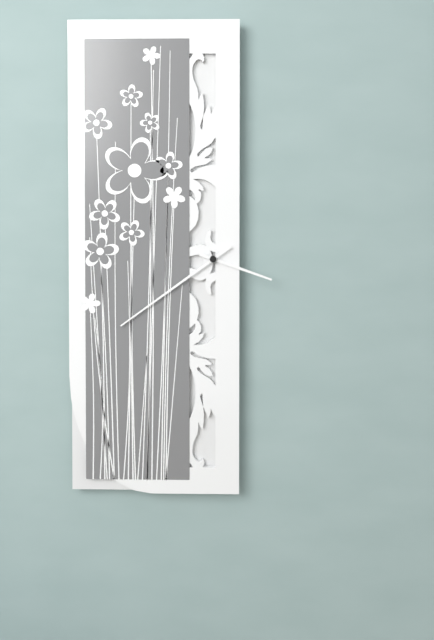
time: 3:39
